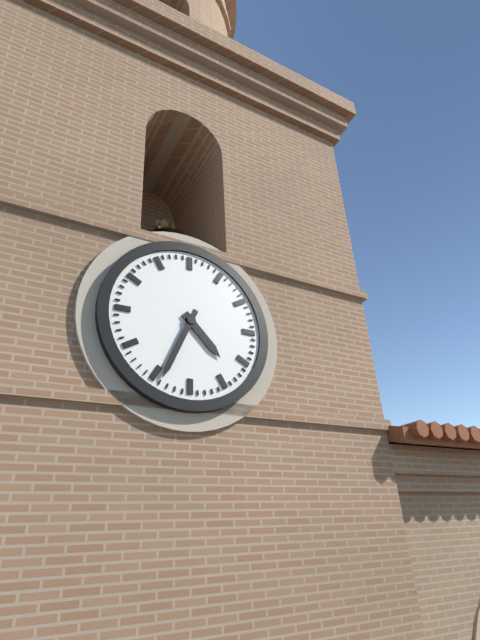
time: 4:34
